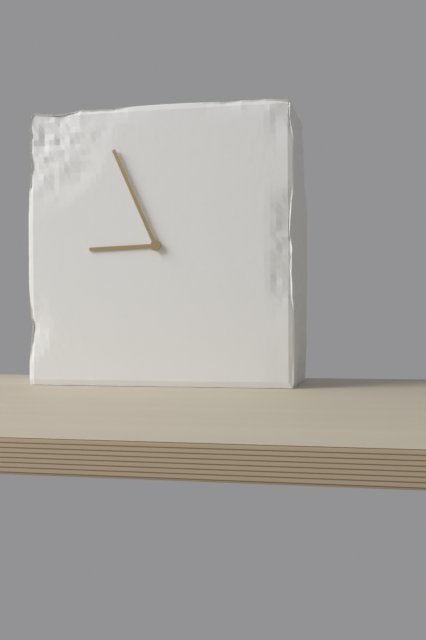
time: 8:56
